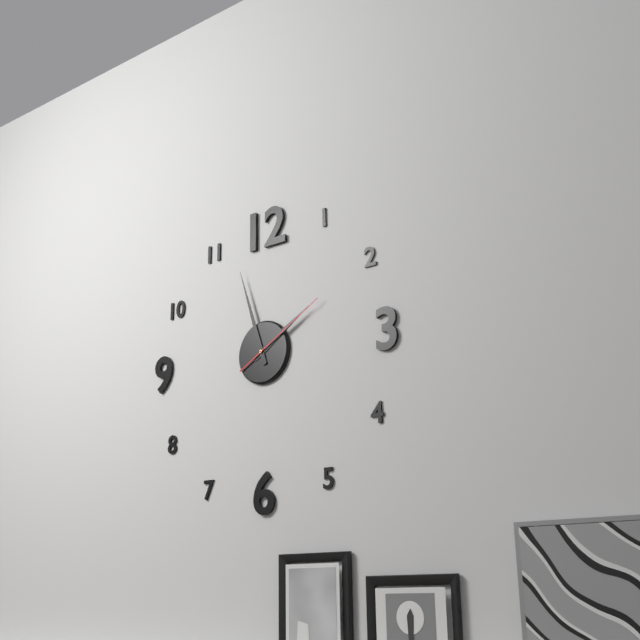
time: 1:57:10
